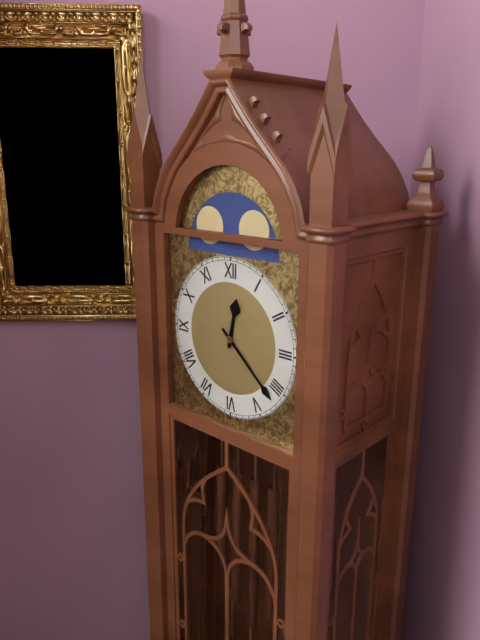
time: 12:22
